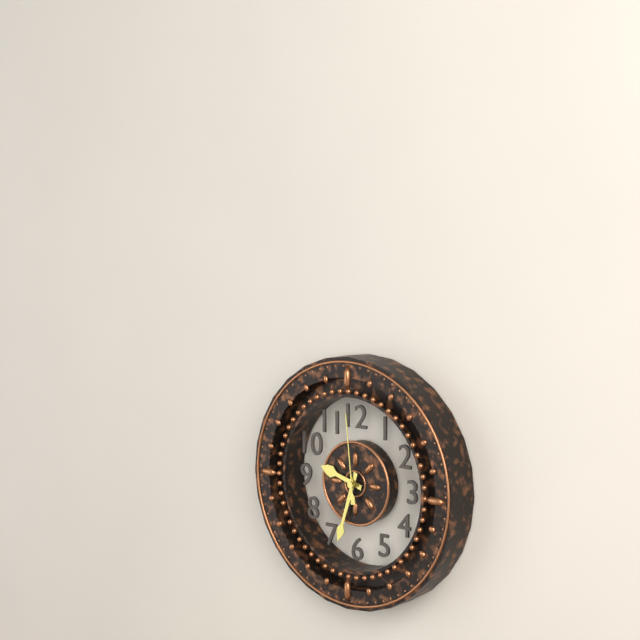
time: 9:33:59
